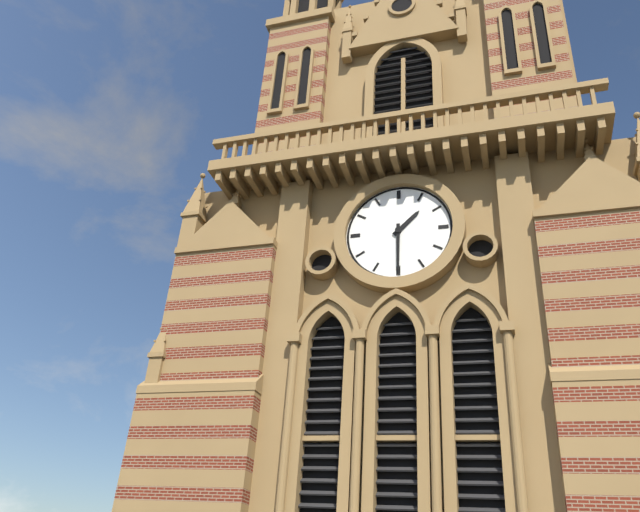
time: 1:30
